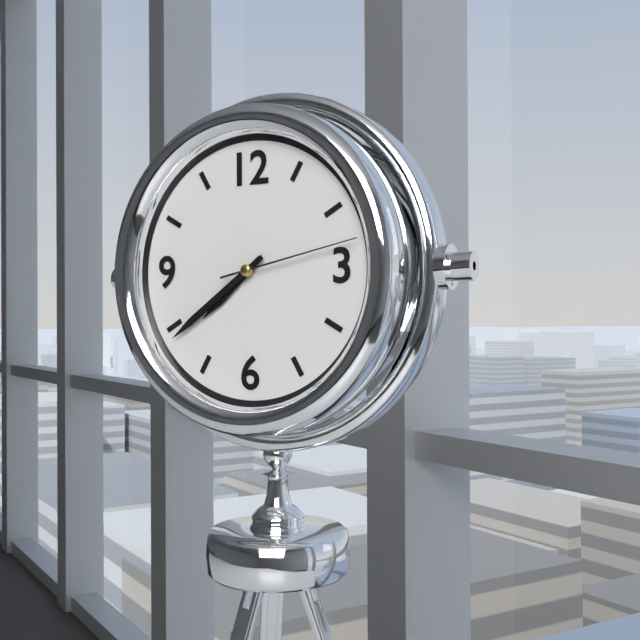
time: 7:39:13
